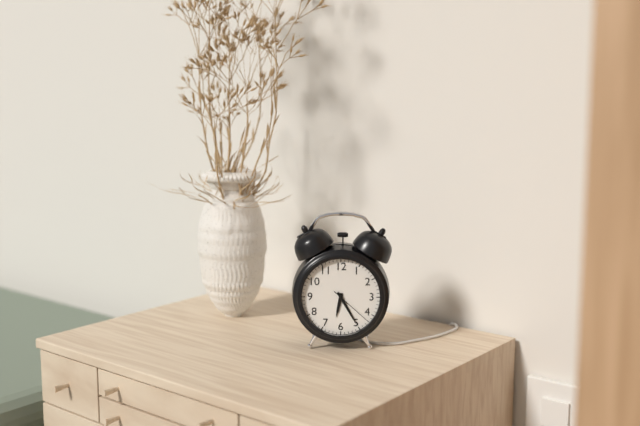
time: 6:25
